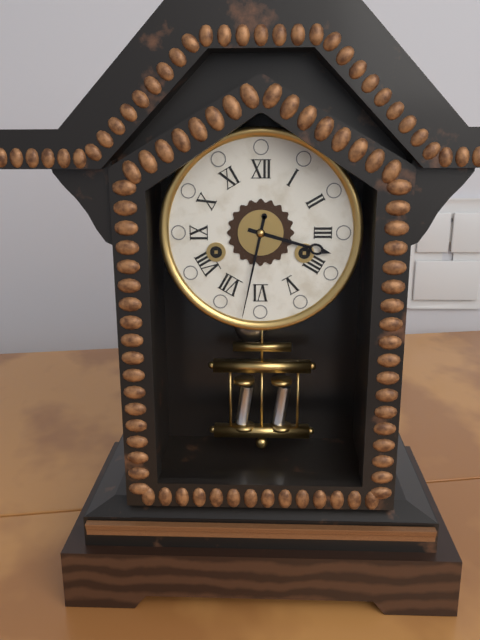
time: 3:32
